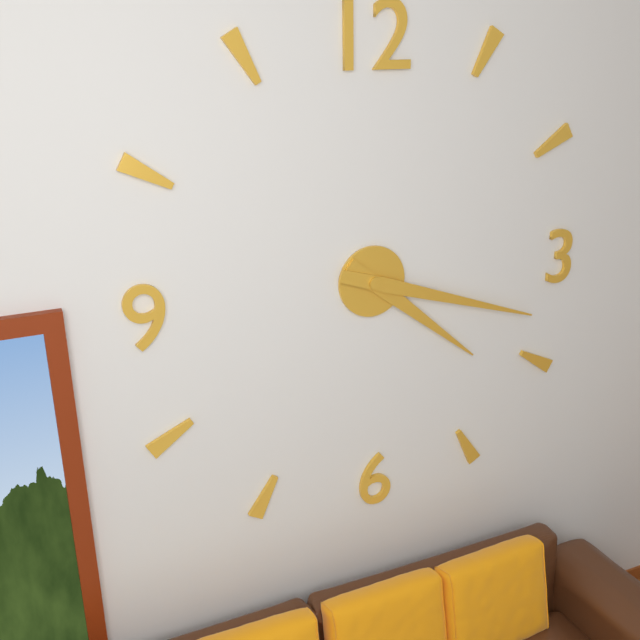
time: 4:18
